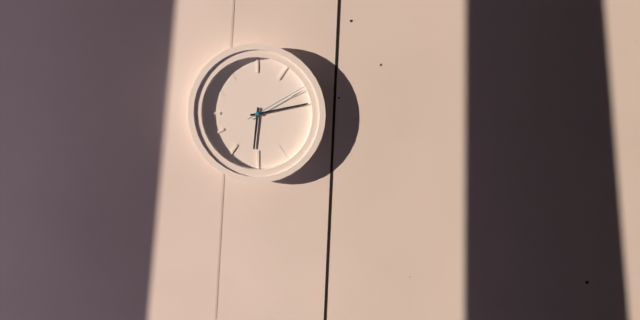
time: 6:13:10
